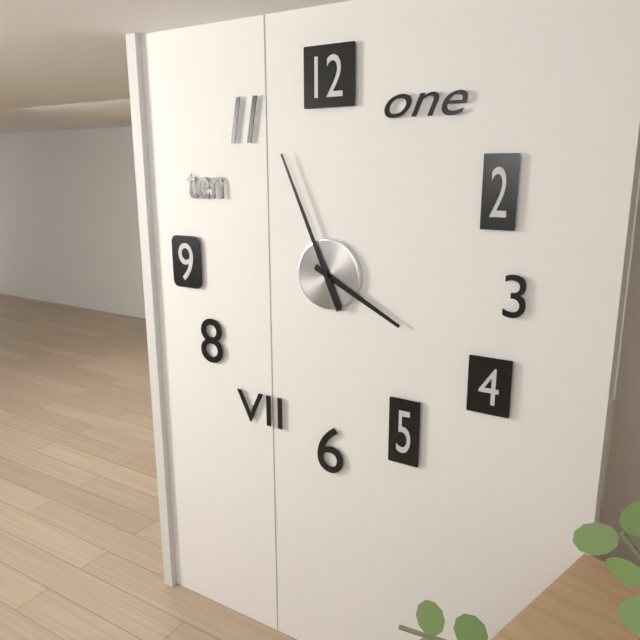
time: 3:56
